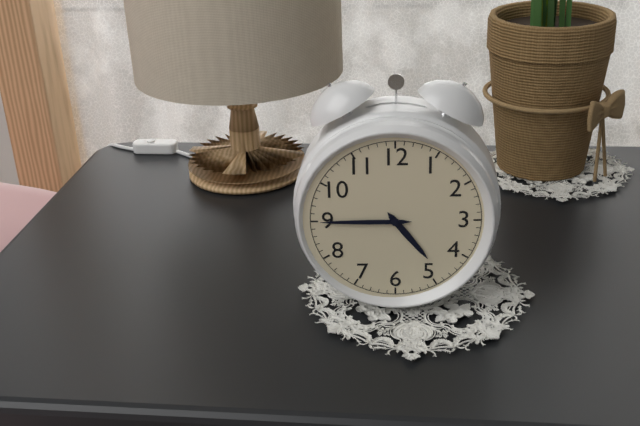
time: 4:45
